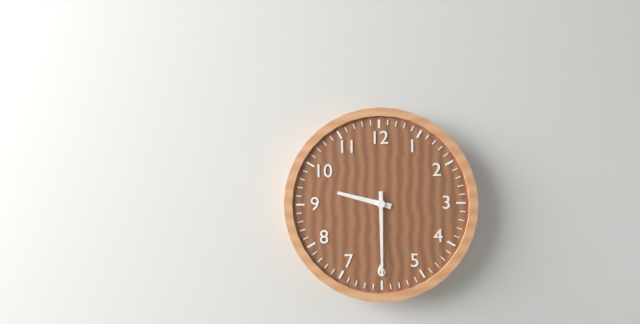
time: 9:30
